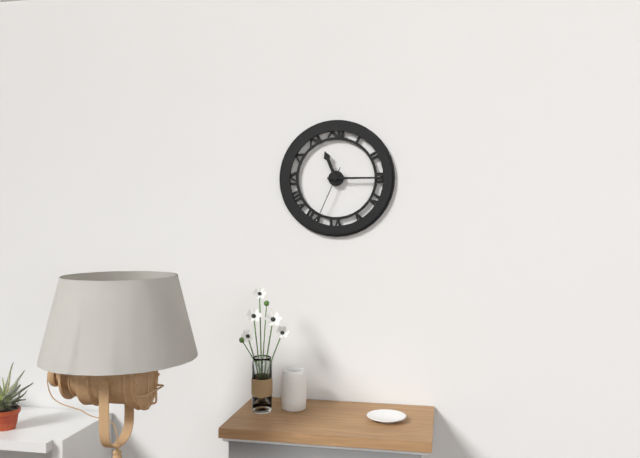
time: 11:15:34
